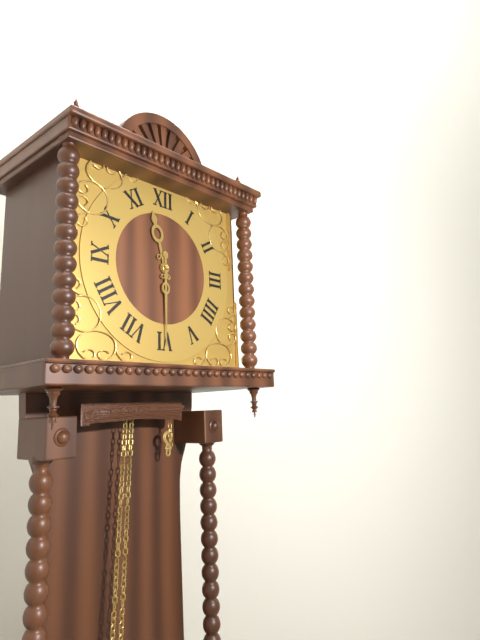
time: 11:30
